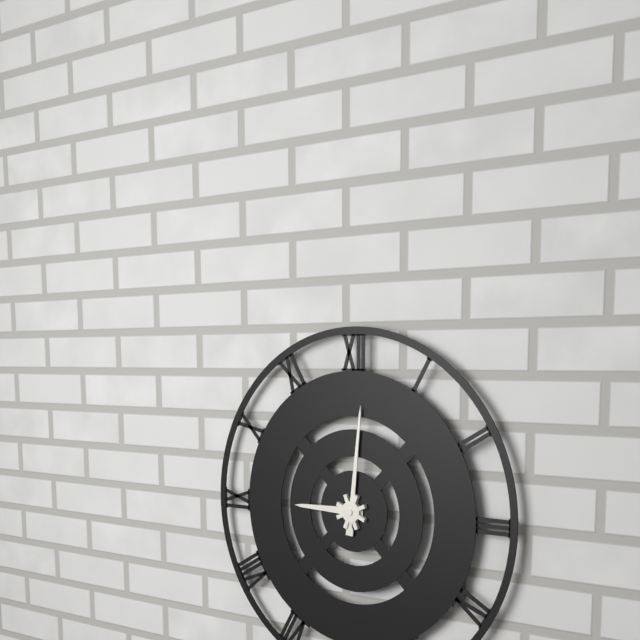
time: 9:01
